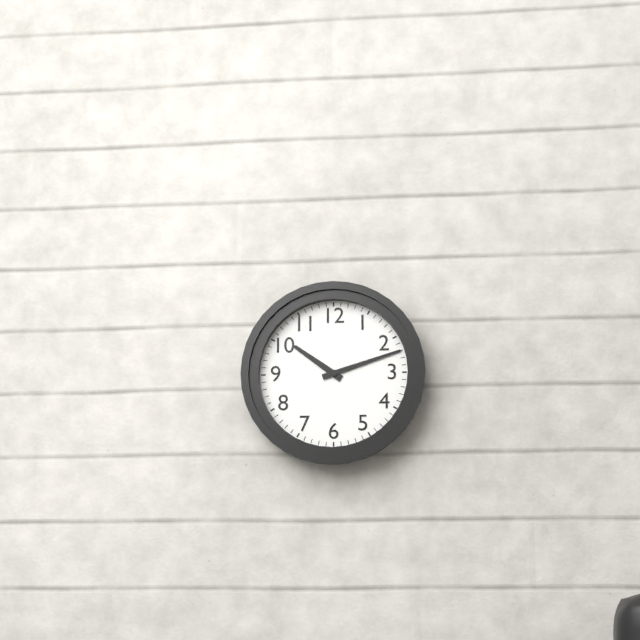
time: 10:12
